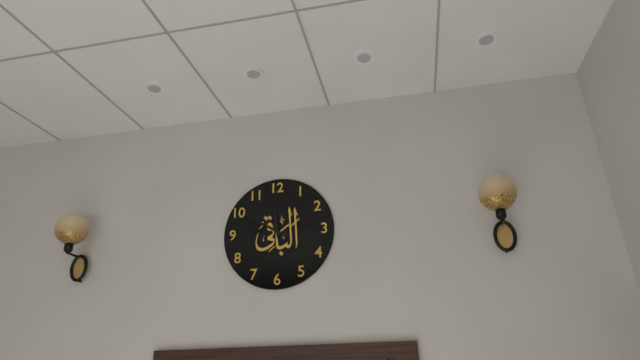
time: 11:50
